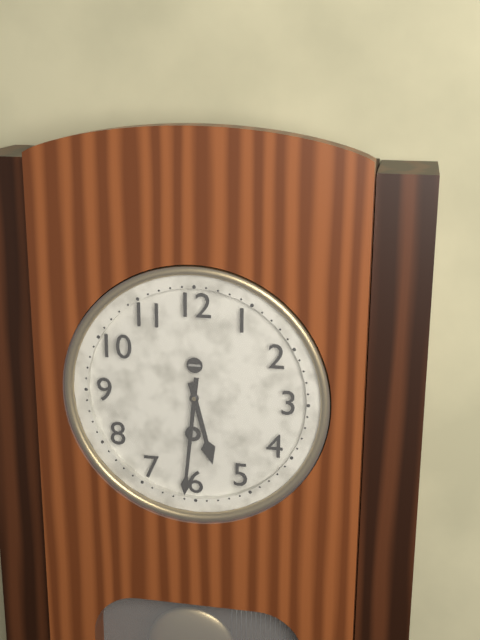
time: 5:31
